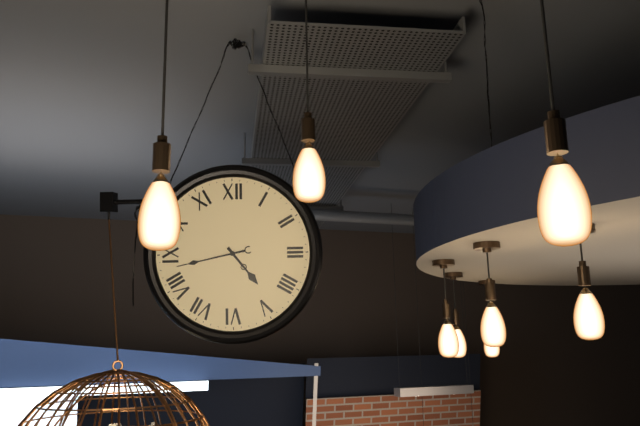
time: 4:43
